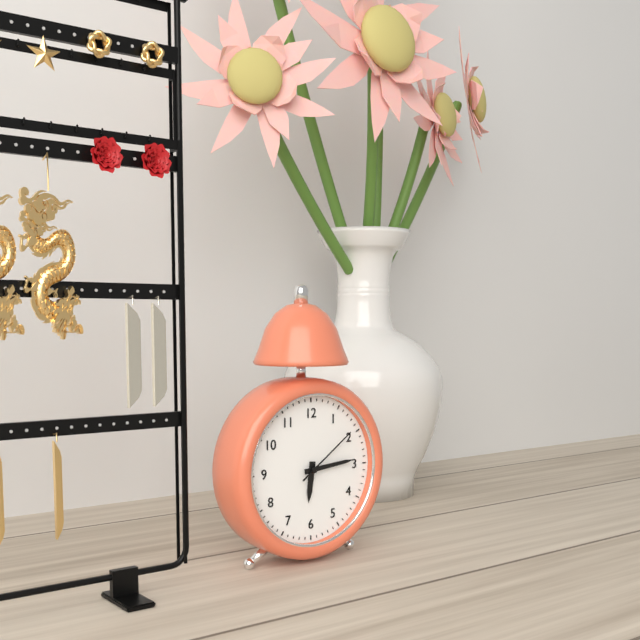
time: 6:14:09
